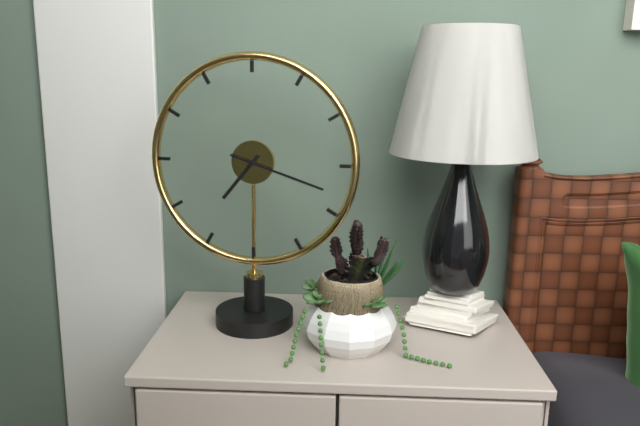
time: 7:18
